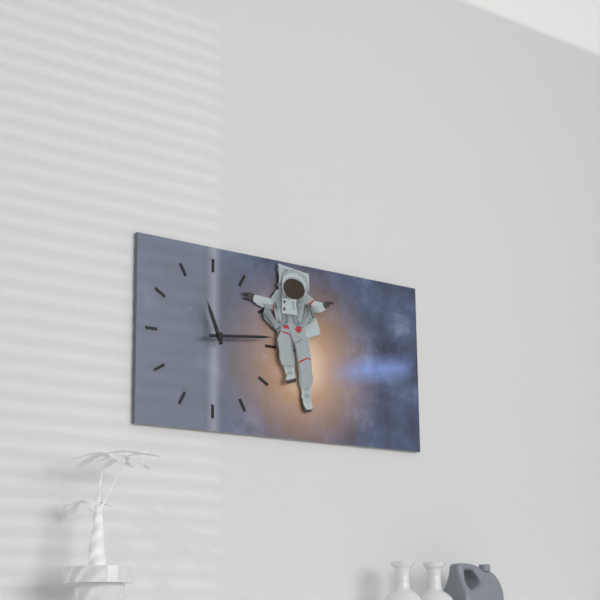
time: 11:14
